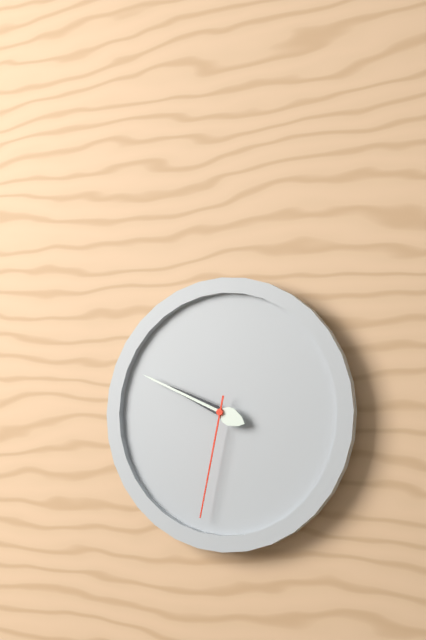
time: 9:49:32
